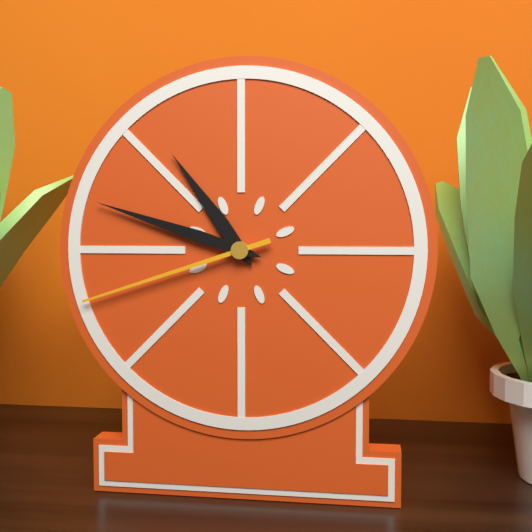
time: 10:48:42
